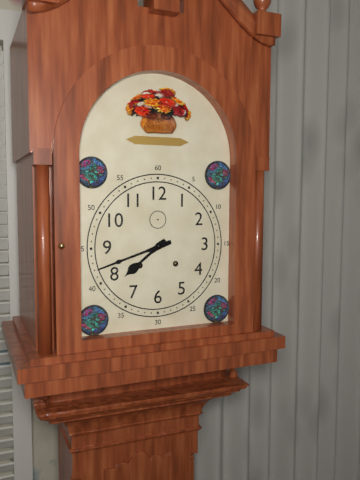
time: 7:42
